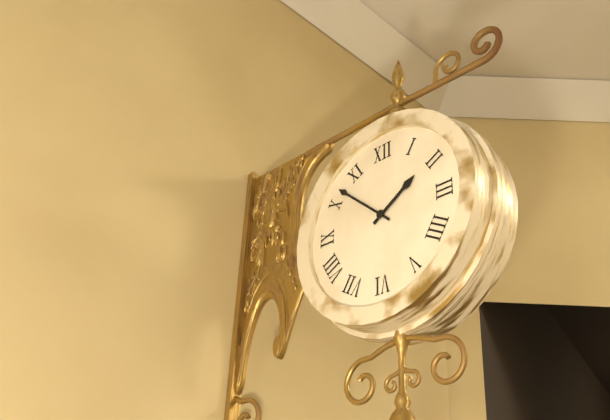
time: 1:52
